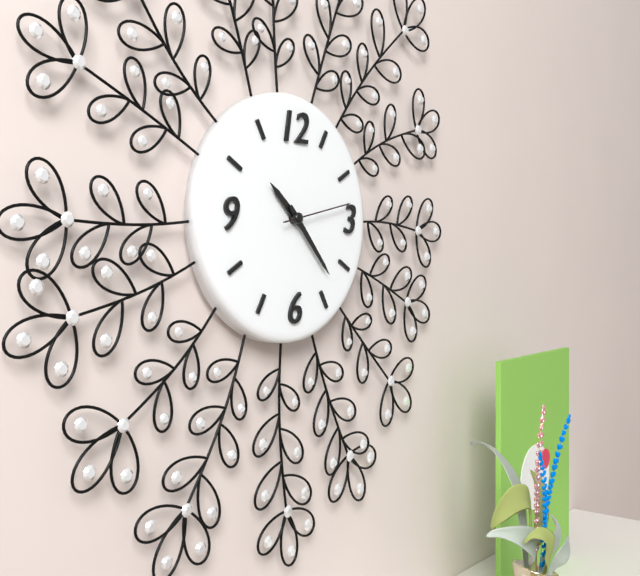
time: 10:23:13
